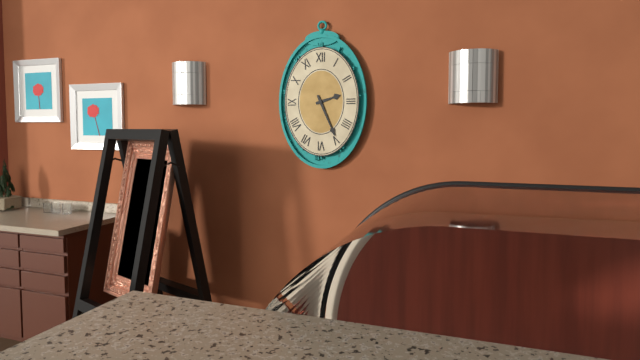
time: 2:26
